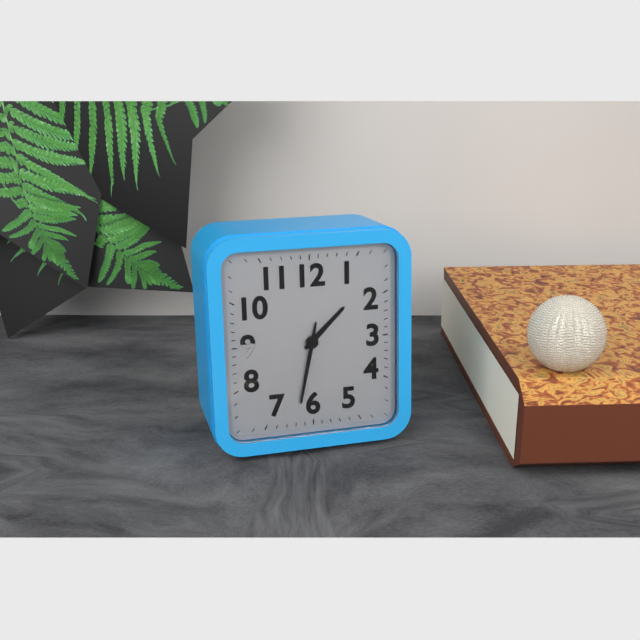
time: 1:32
